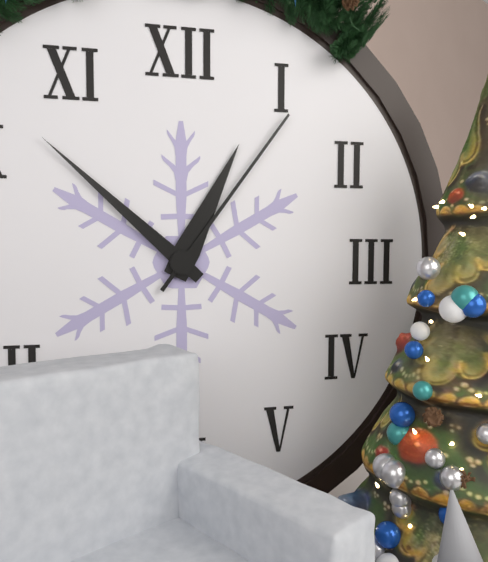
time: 12:52:06
